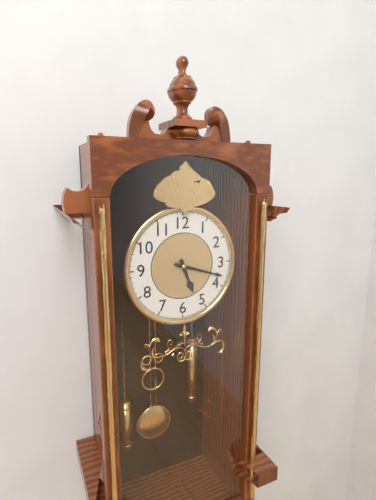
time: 5:18
